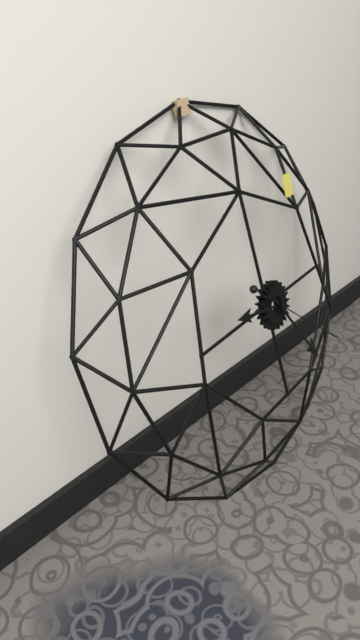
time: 9:25:22
